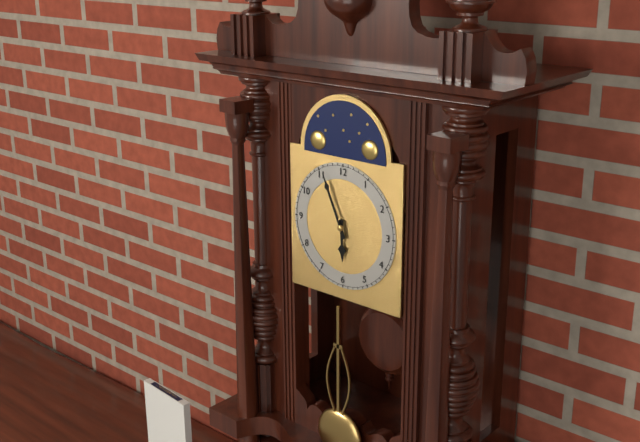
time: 5:56
